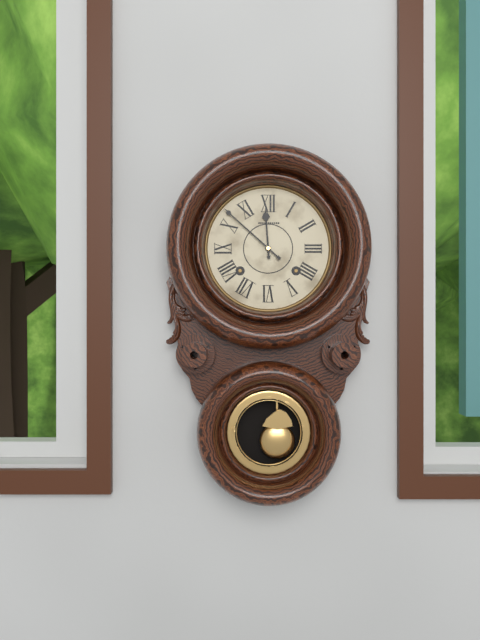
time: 11:52
